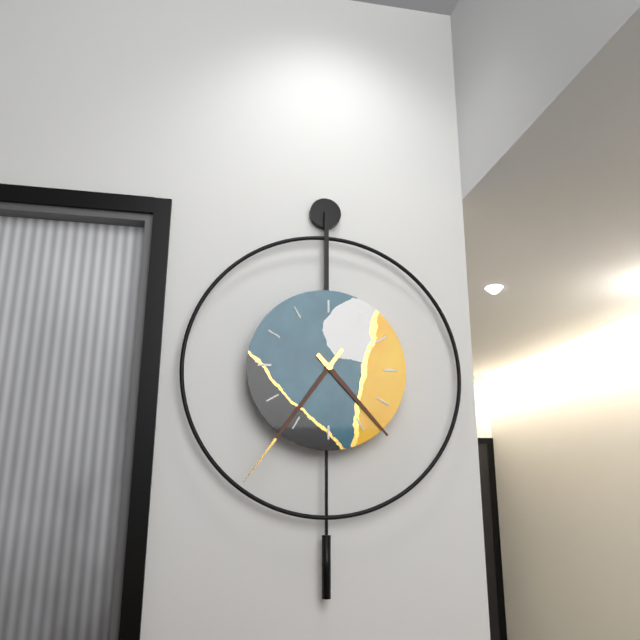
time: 4:36
